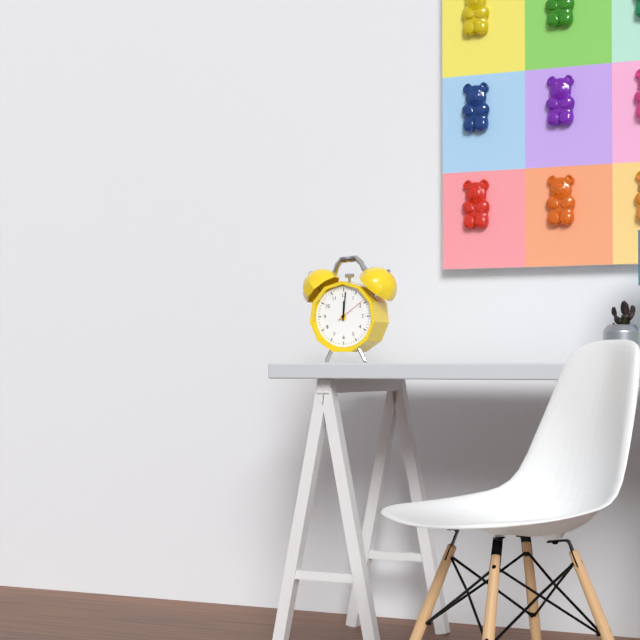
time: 12:01
